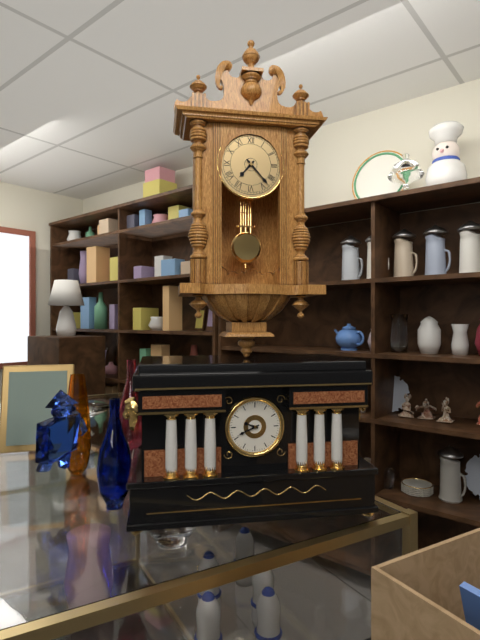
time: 7:23
